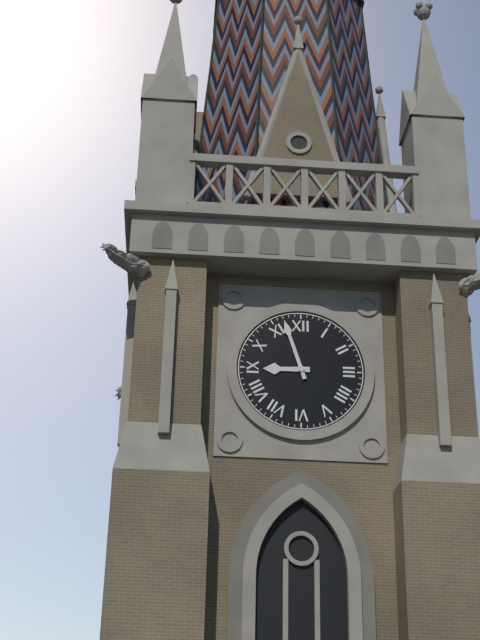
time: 8:57
